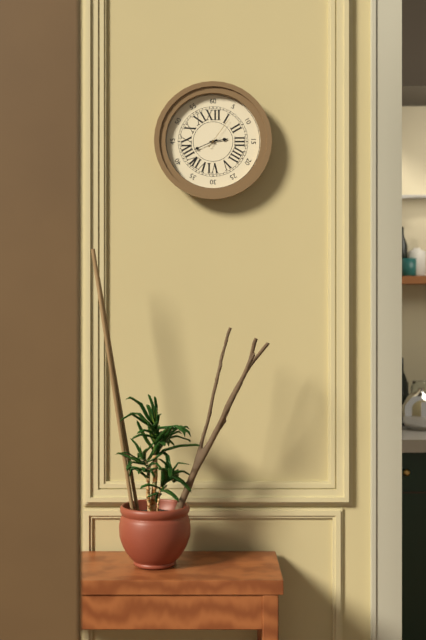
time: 2:41
